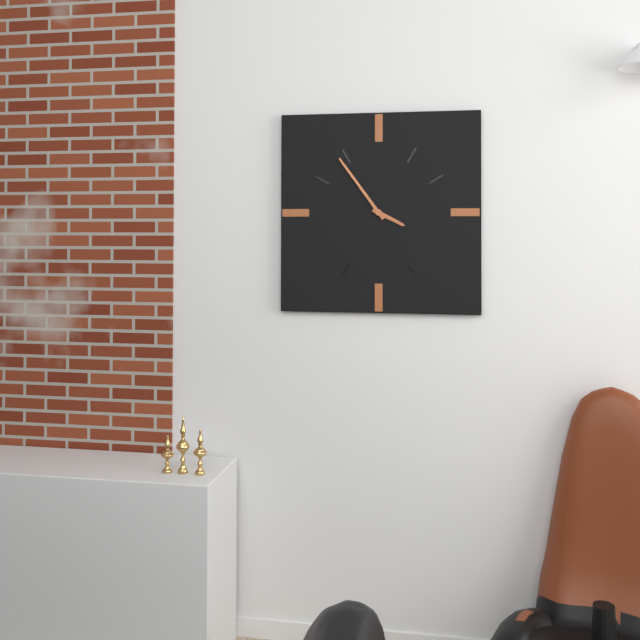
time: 3:54
